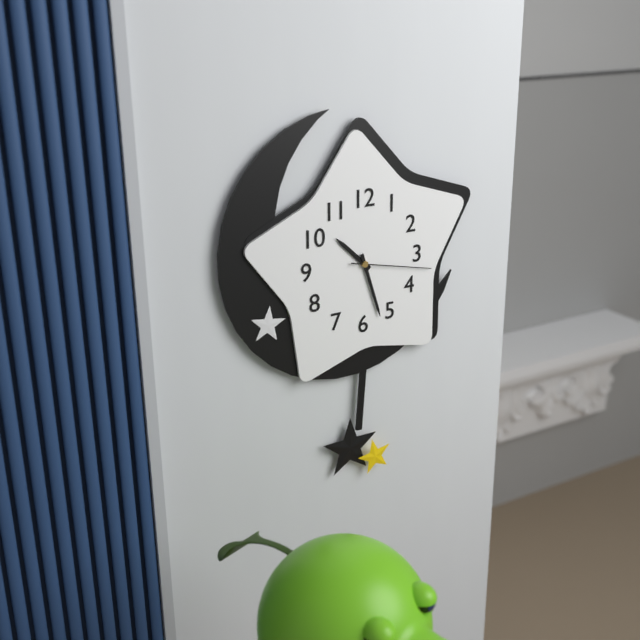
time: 10:27:17
